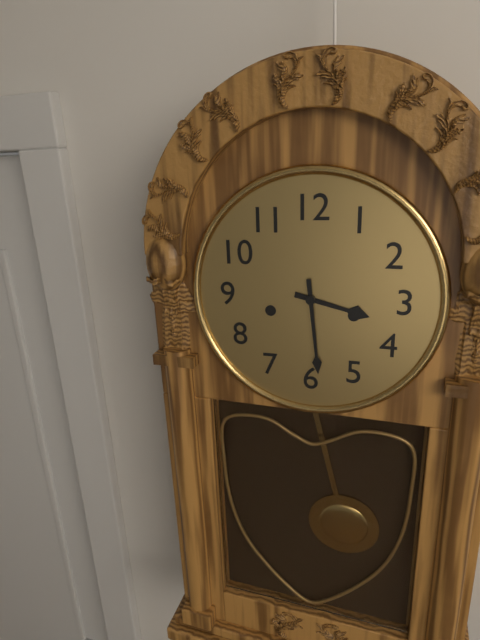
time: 3:29
